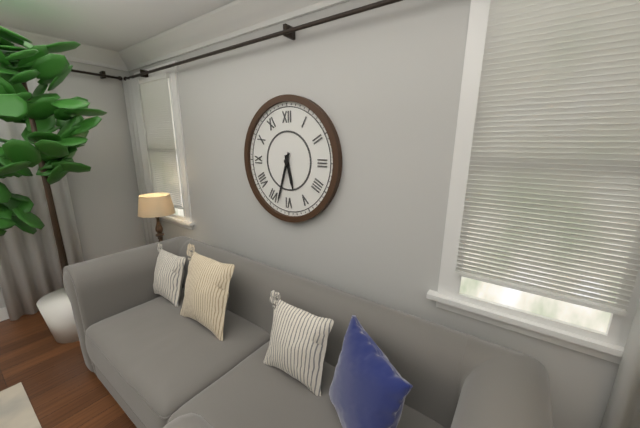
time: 5:33
